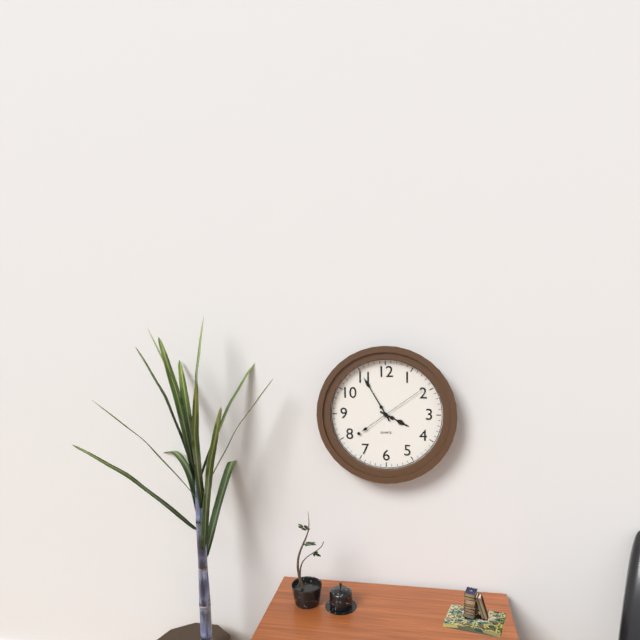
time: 3:55:09
